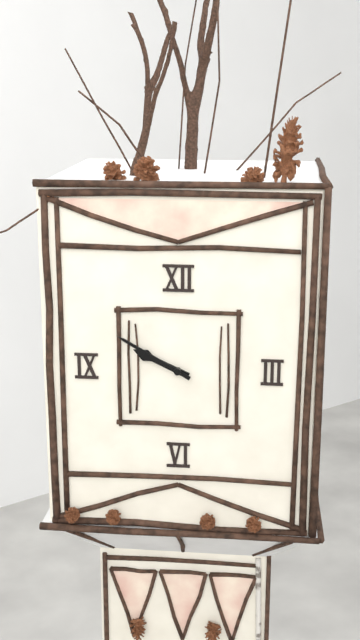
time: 9:50
